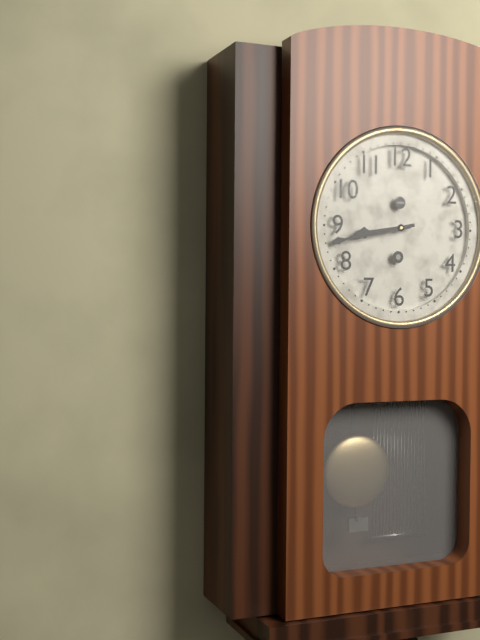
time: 8:43
